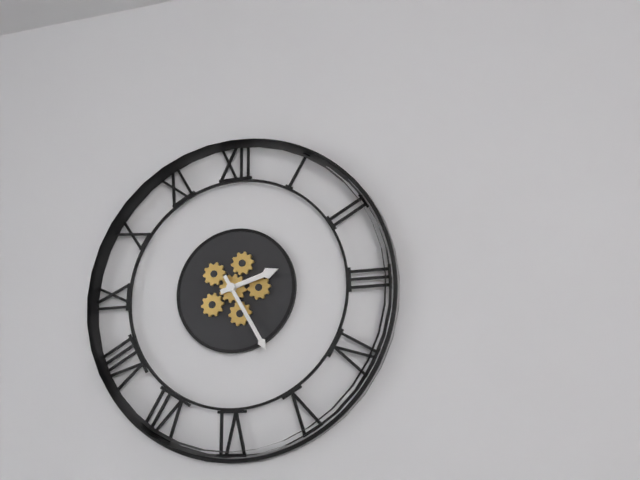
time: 2:25
